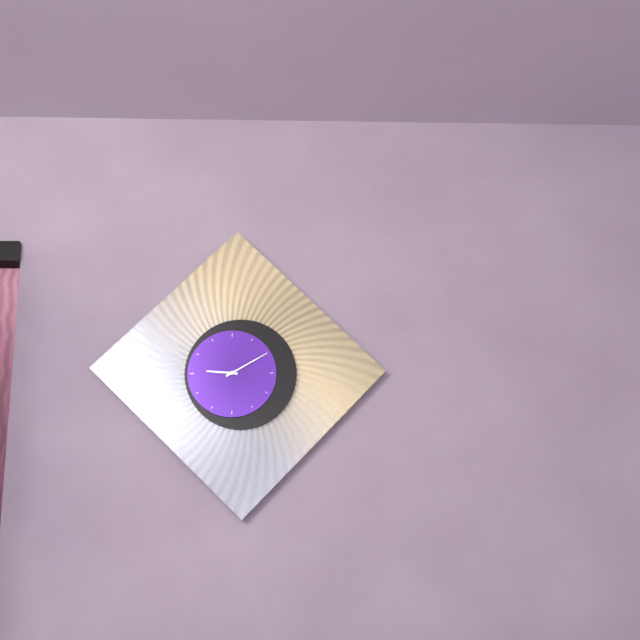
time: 9:10
